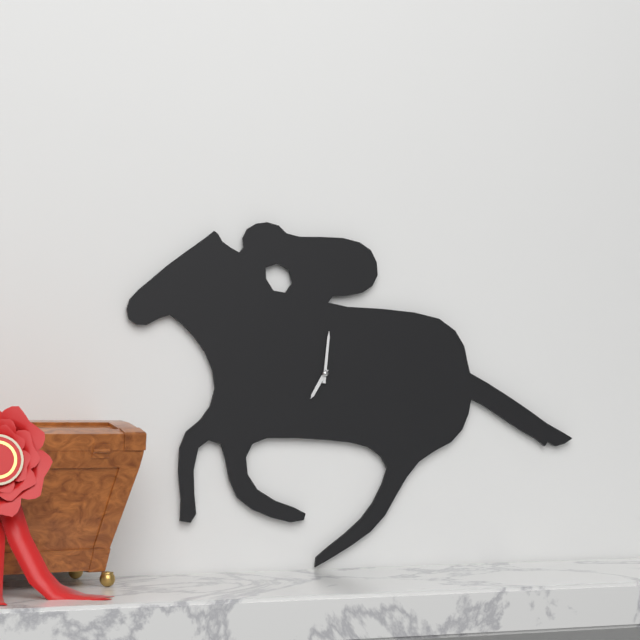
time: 7:01
